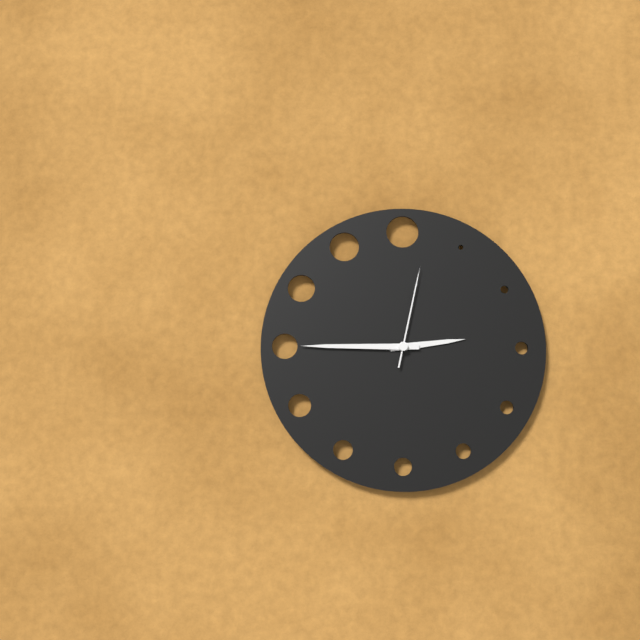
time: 2:45:02
